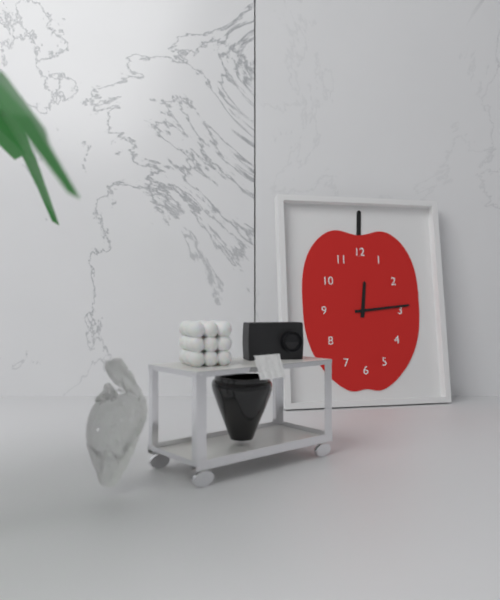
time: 12:14
